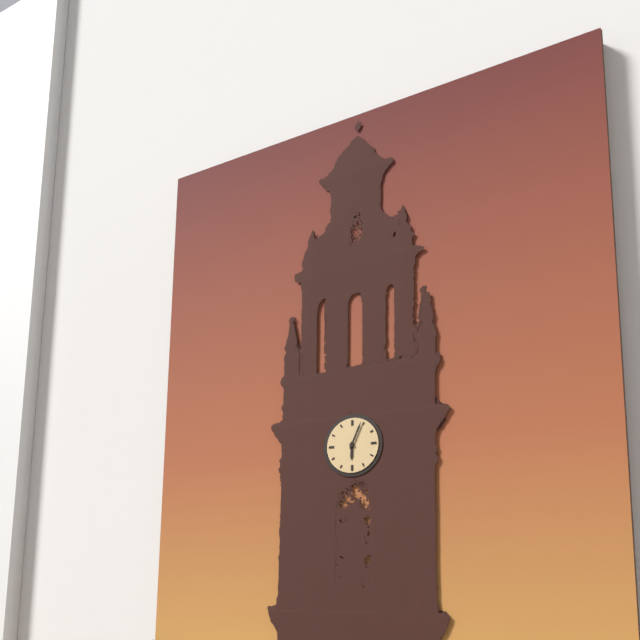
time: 6:04
